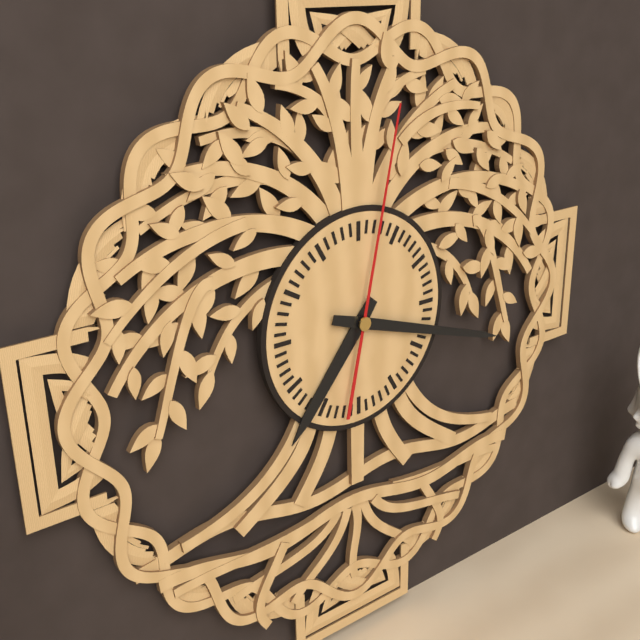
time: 7:18:02
